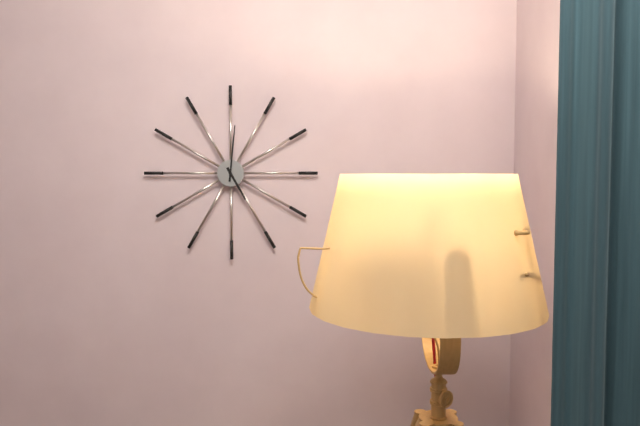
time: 5:01
